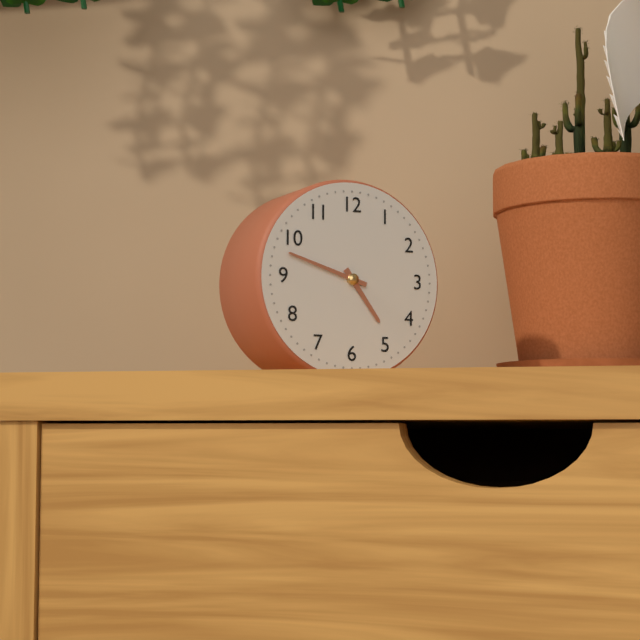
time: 4:48
